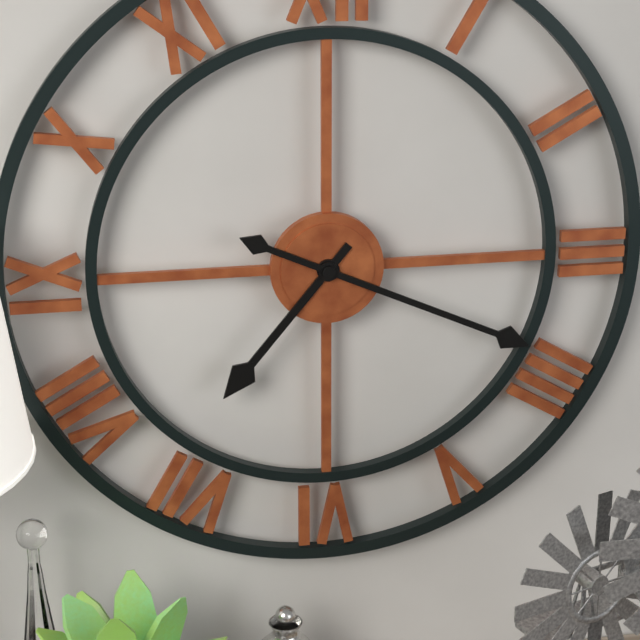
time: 7:19
